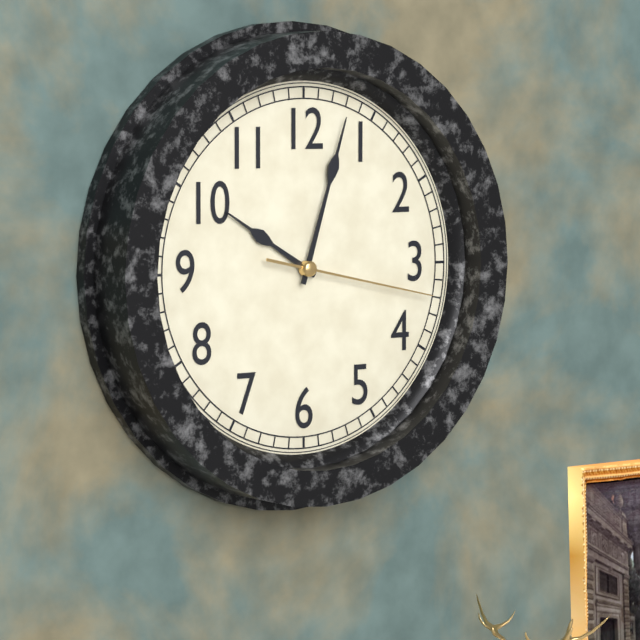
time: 10:03:17
